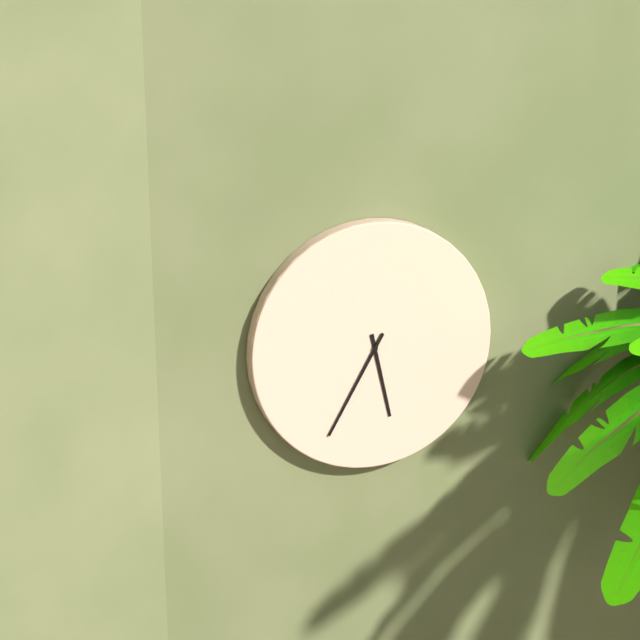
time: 5:35
